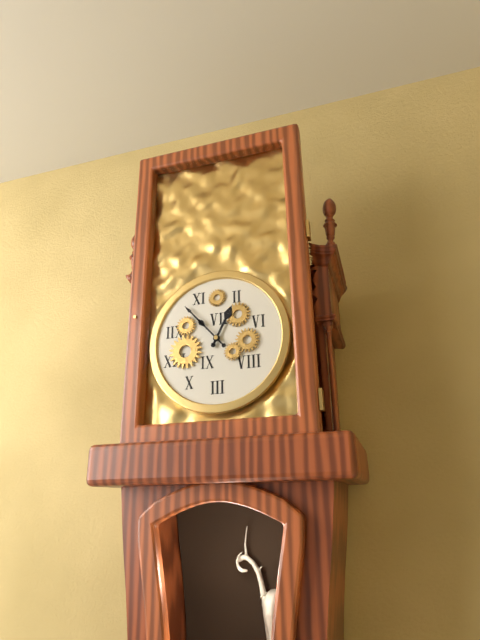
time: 12:53
